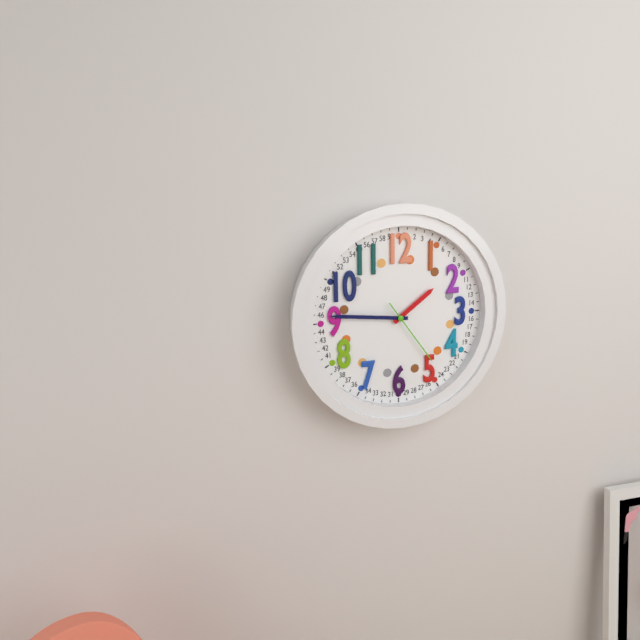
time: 1:46:24
